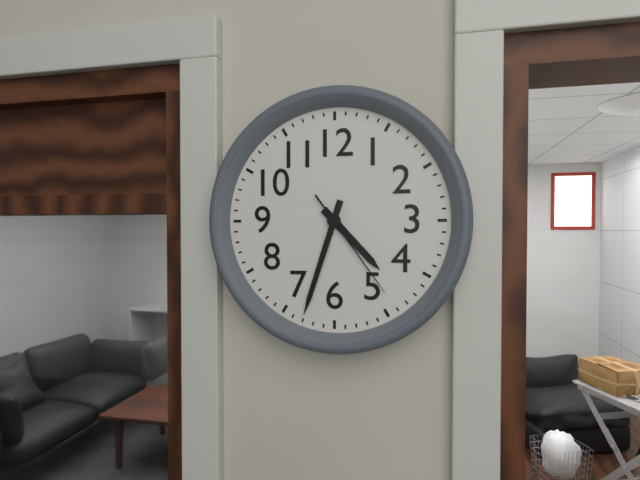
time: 4:33:24
